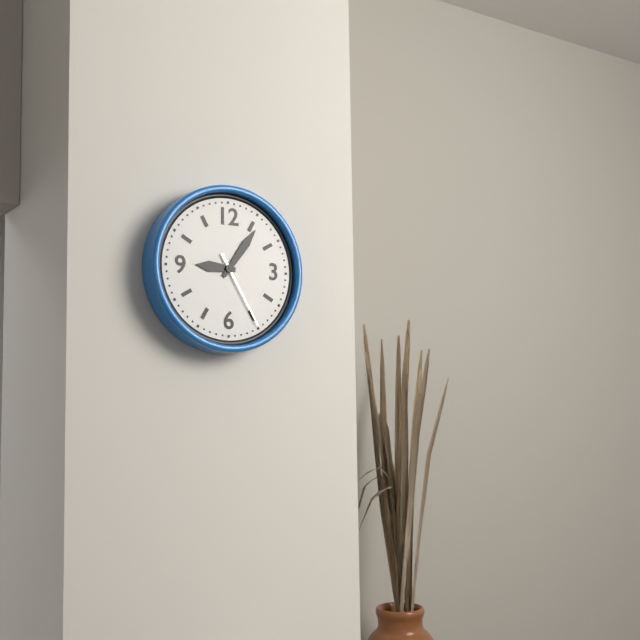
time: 9:06:25
